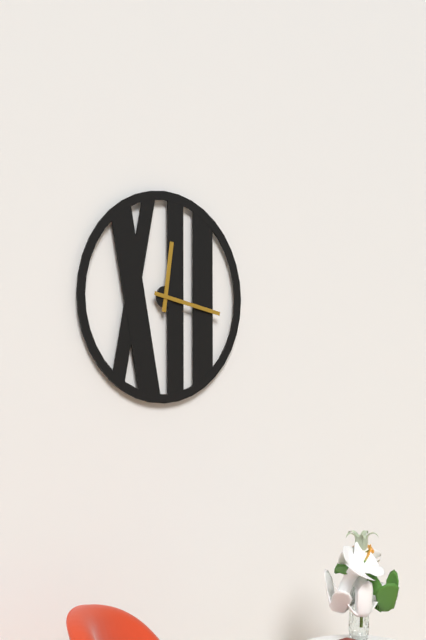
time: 12:17
